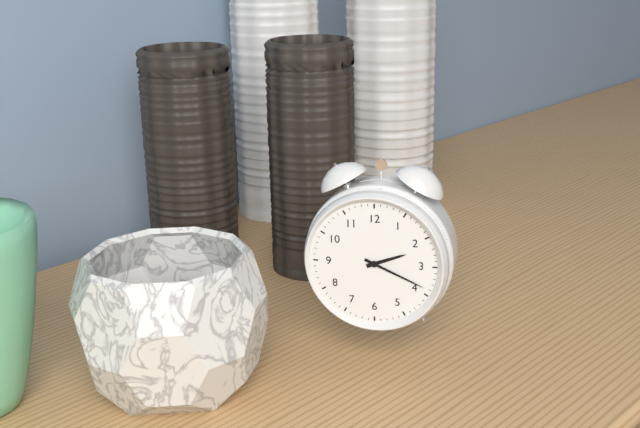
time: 2:19
